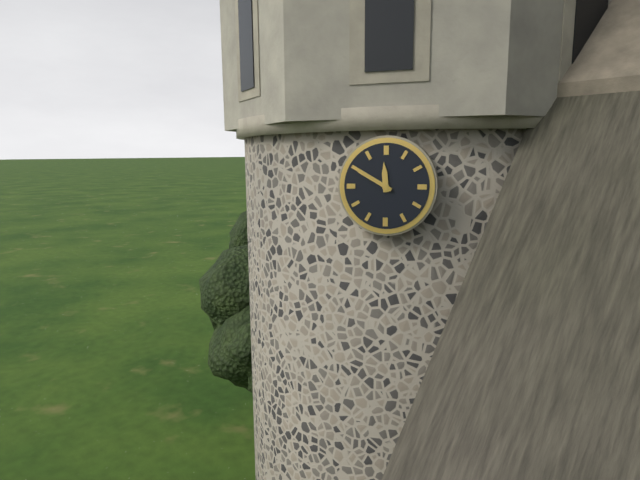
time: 11:50
